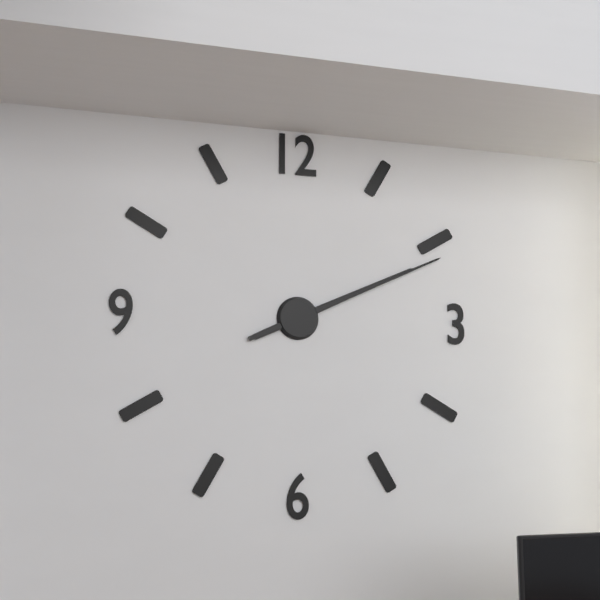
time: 2:11
